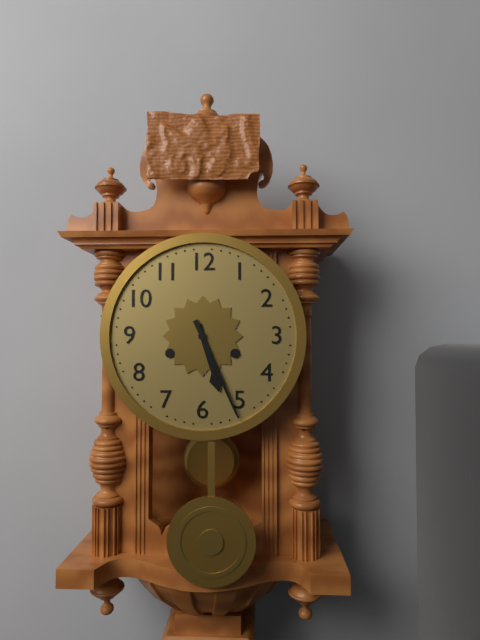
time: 5:26
